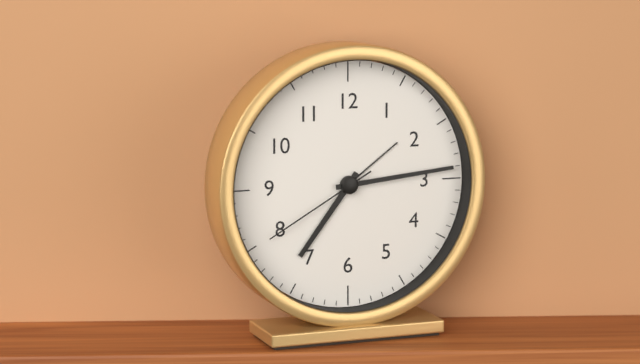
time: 7:14:40
